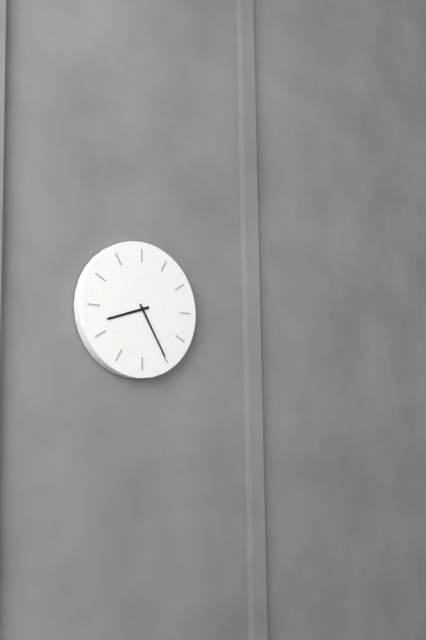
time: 8:25
